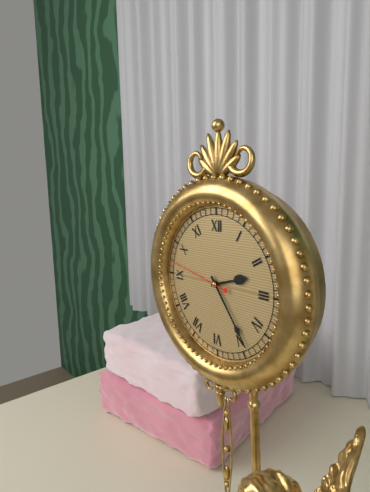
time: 2:24:47
